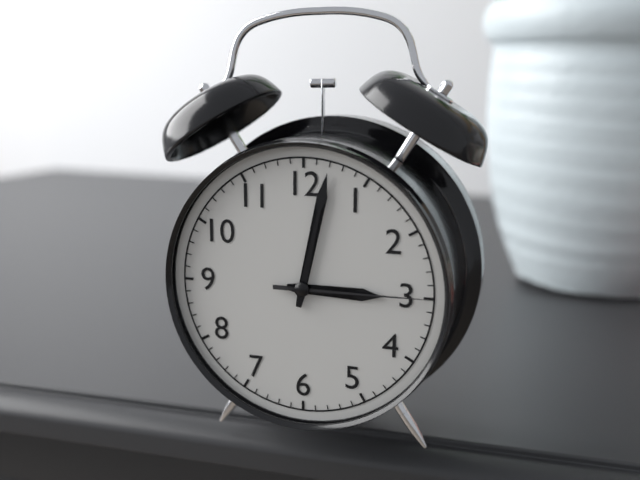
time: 3:02:15
